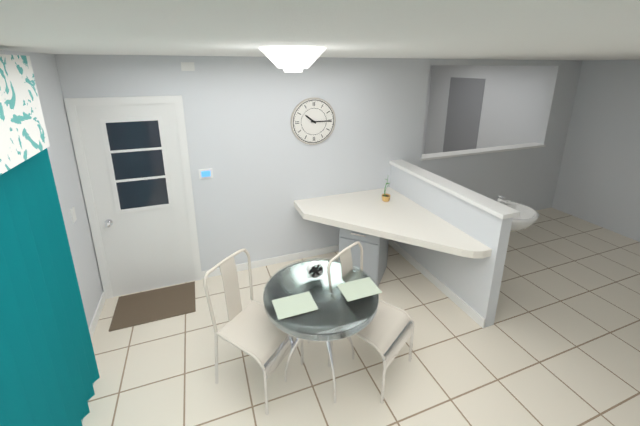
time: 10:15
